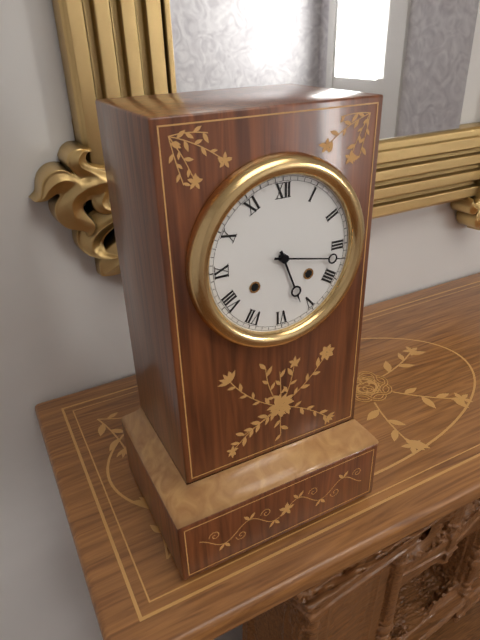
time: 5:17
